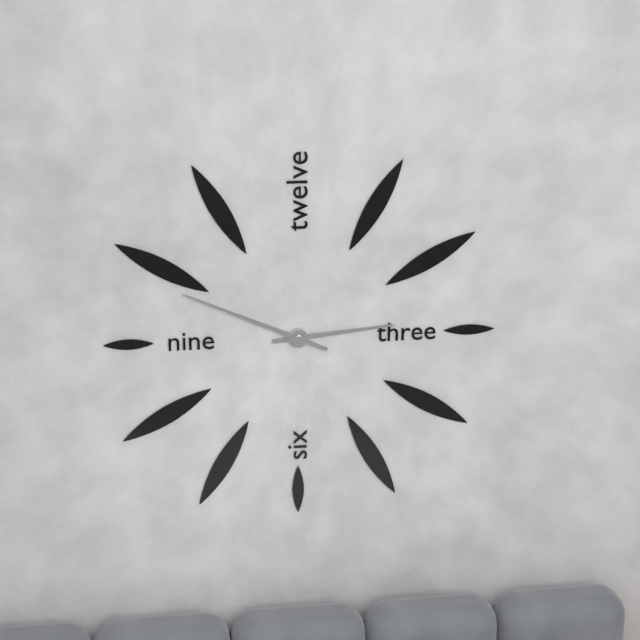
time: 2:49
